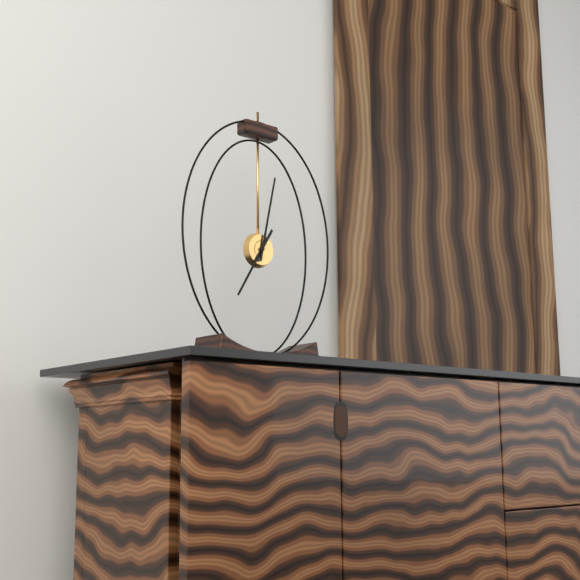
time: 7:02
